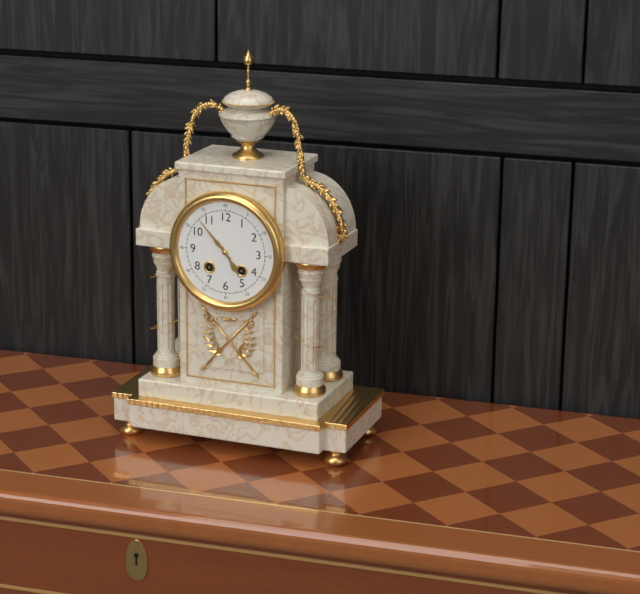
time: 4:53
